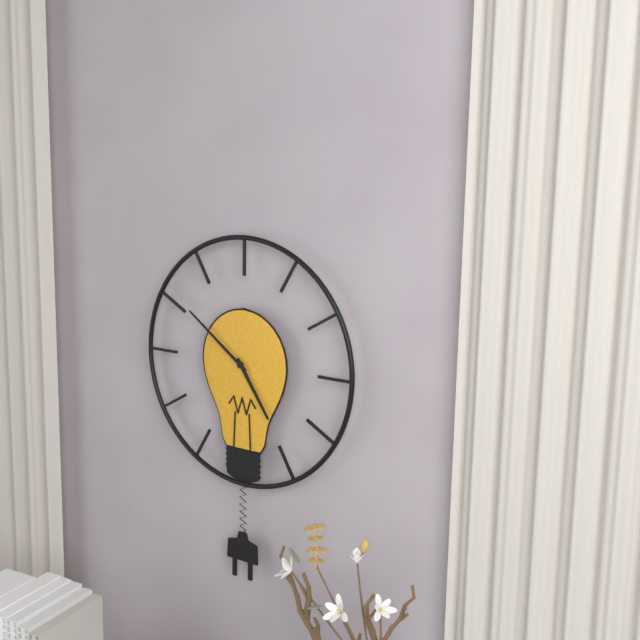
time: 4:51
